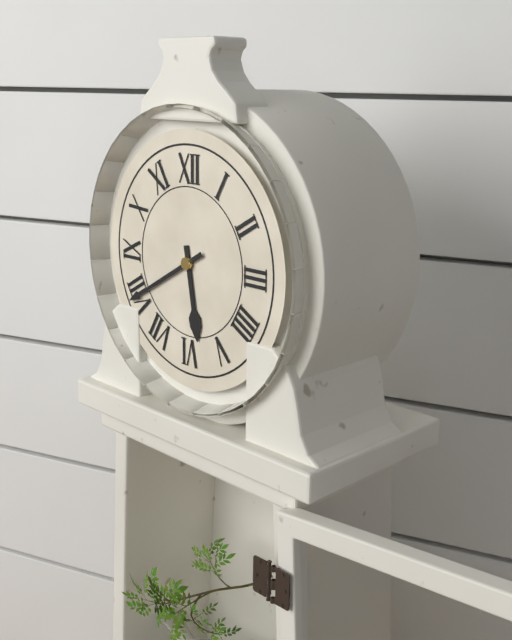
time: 5:40
